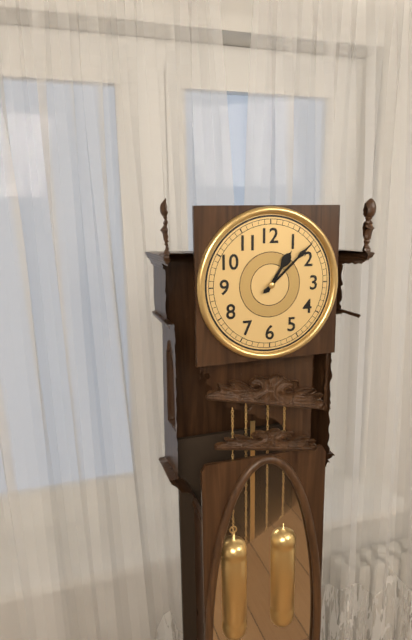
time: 1:08
